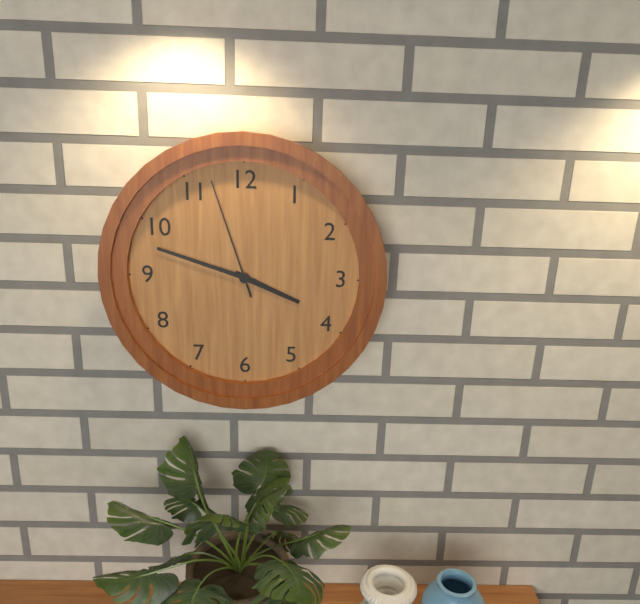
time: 3:48:57
